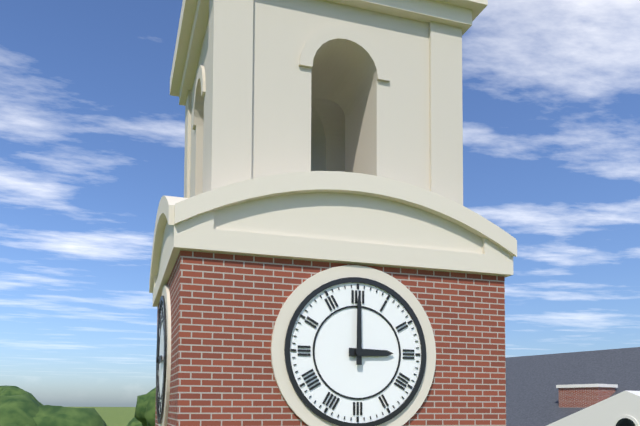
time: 3:00
